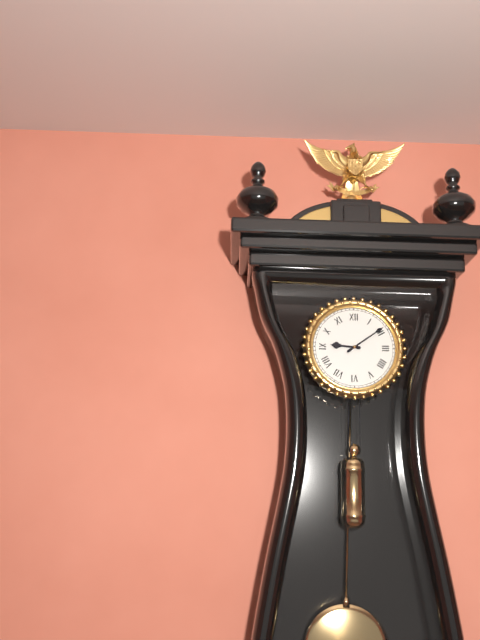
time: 9:09
